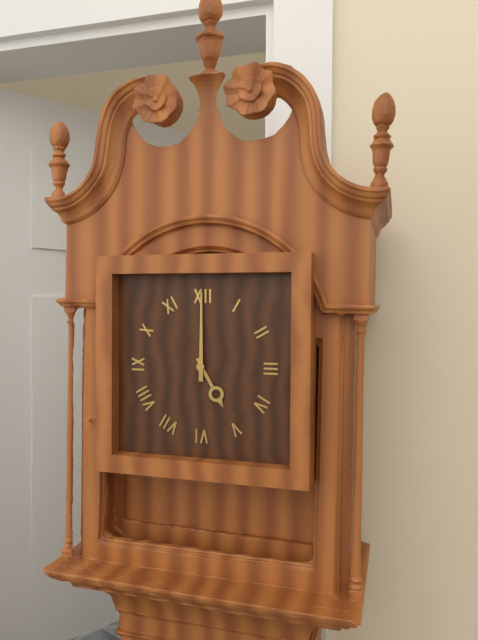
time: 5:00
